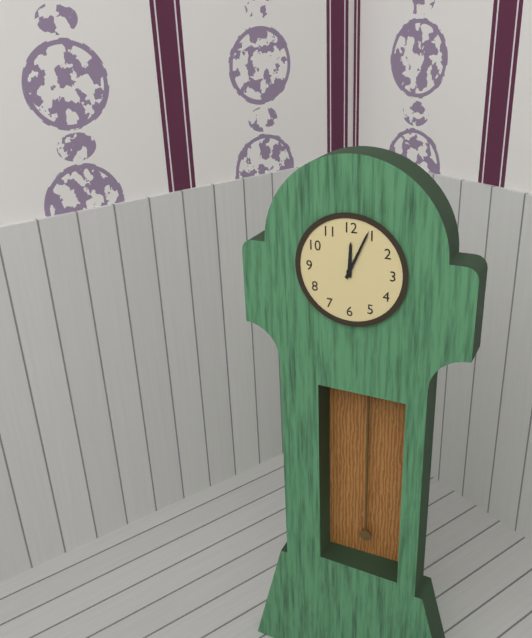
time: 12:04
